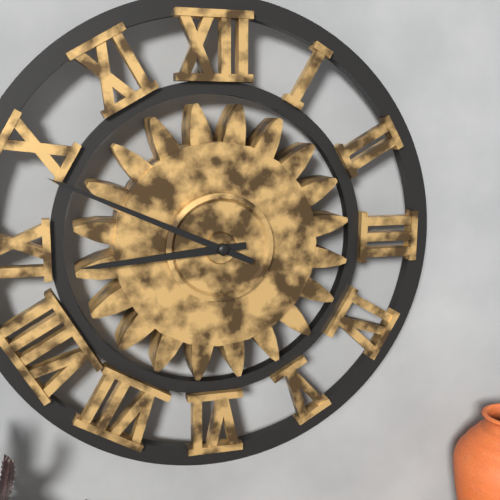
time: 8:49
